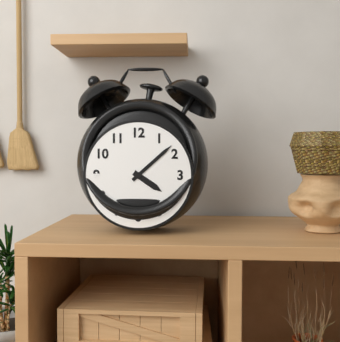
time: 4:08
